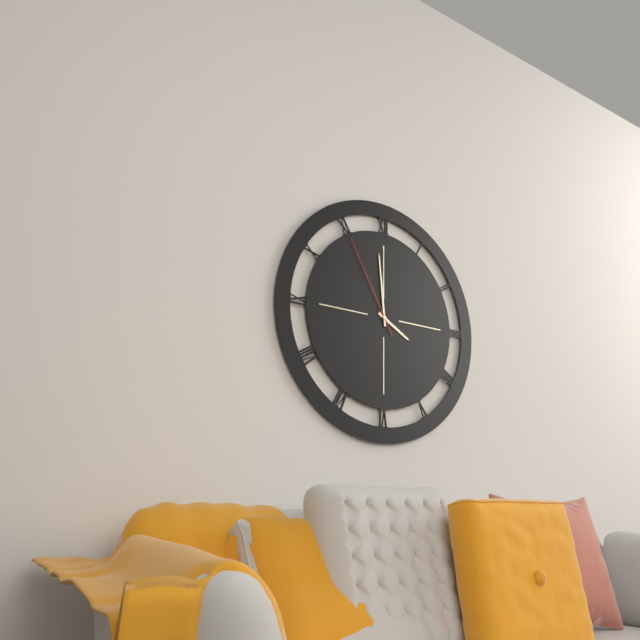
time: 3:59:55
